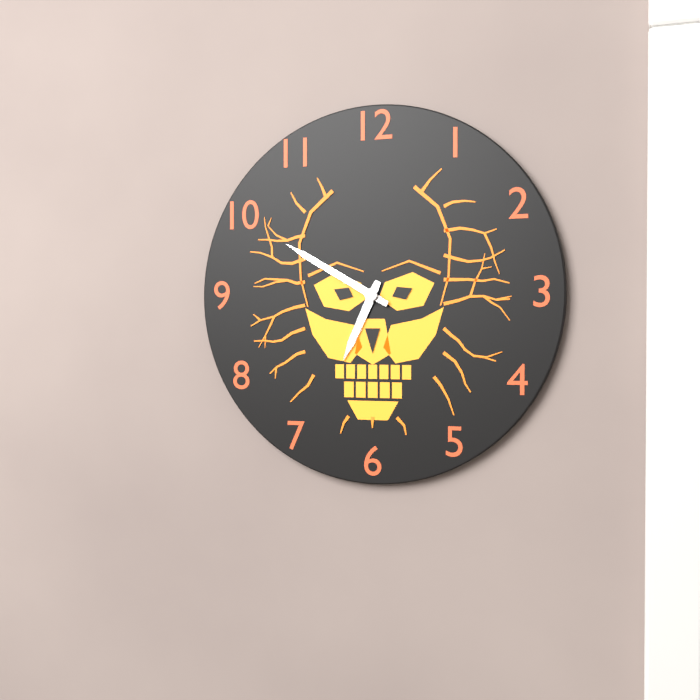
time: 6:50
